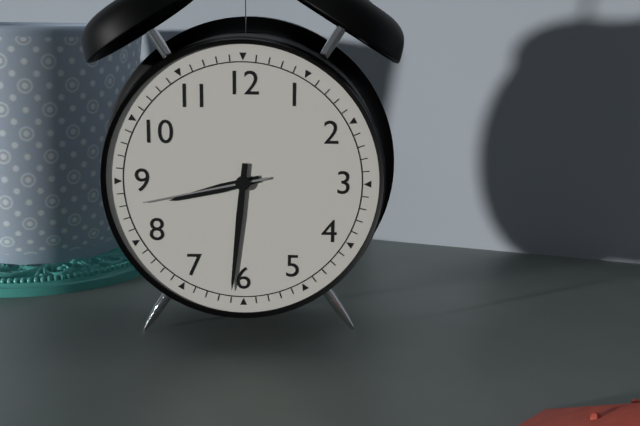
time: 8:31:43
